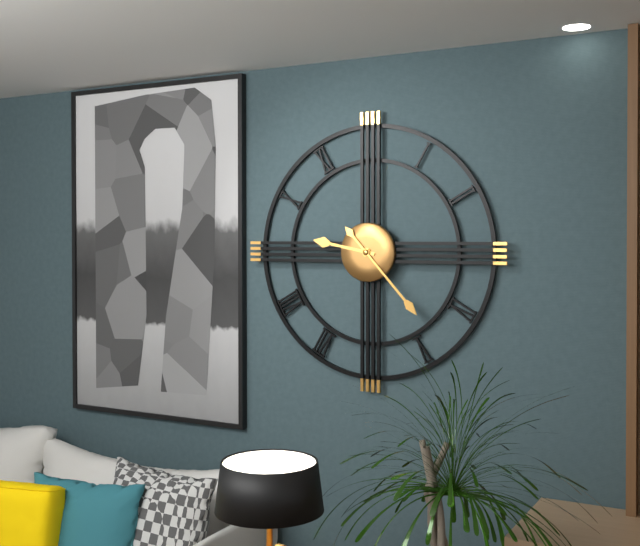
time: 9:23
